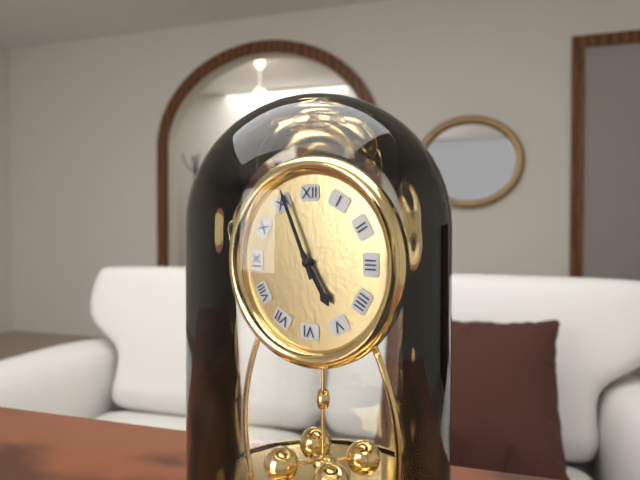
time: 4:56
